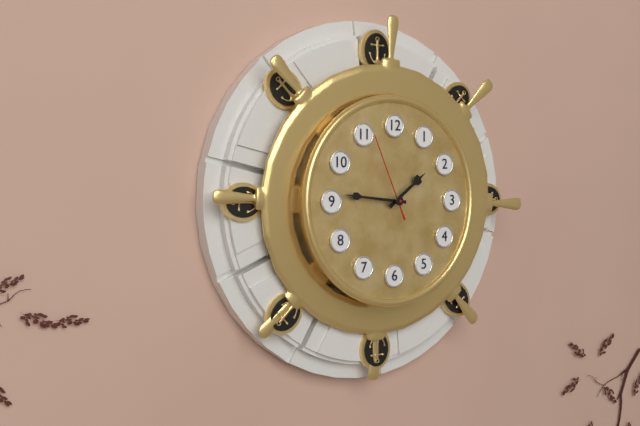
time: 1:46:56
